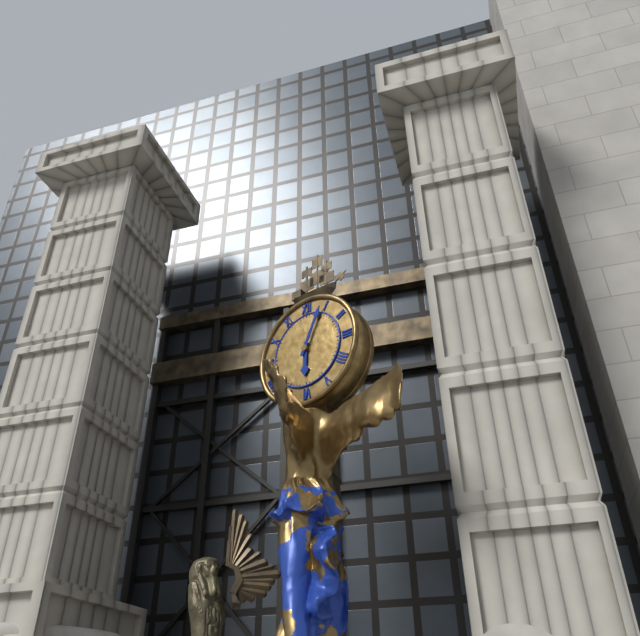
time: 6:04
